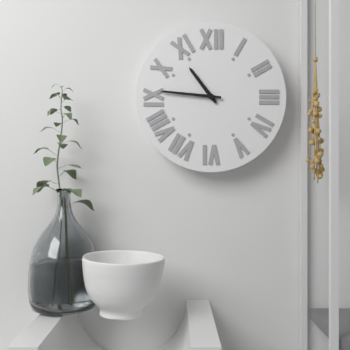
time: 10:46
